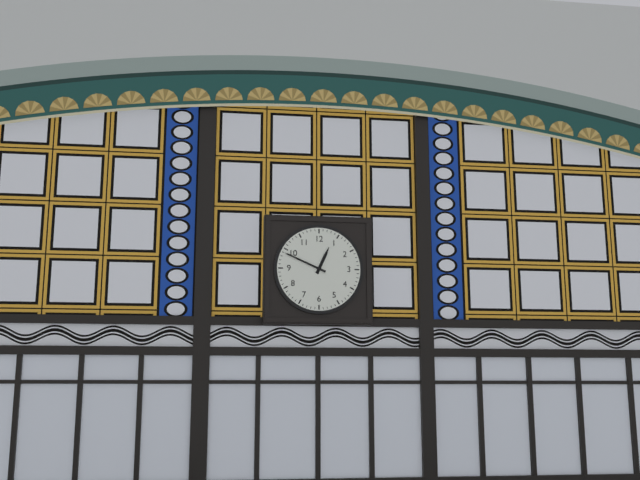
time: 12:49
